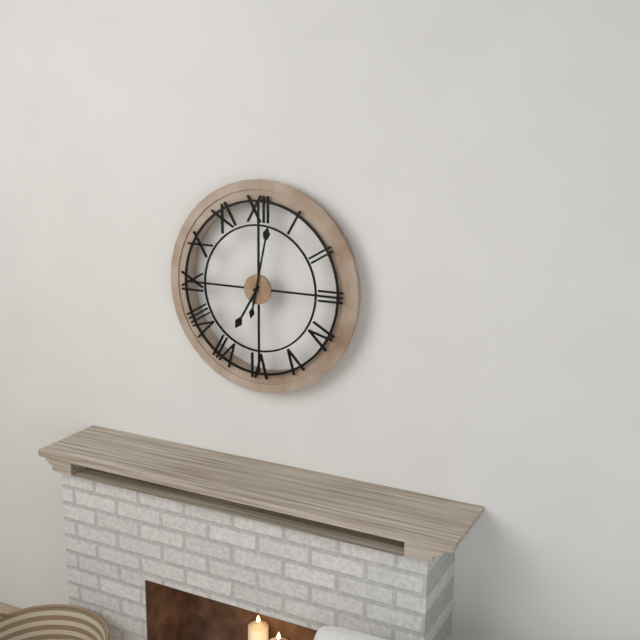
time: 7:02
